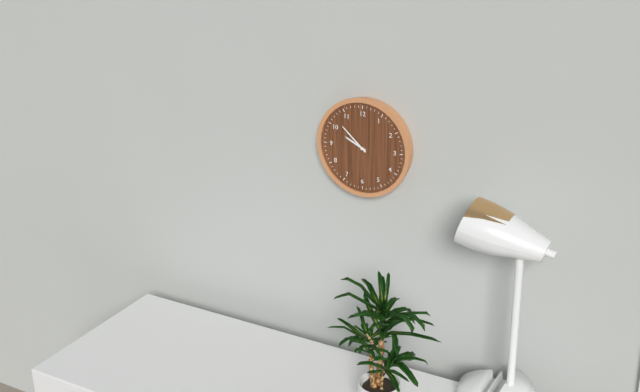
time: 9:52
